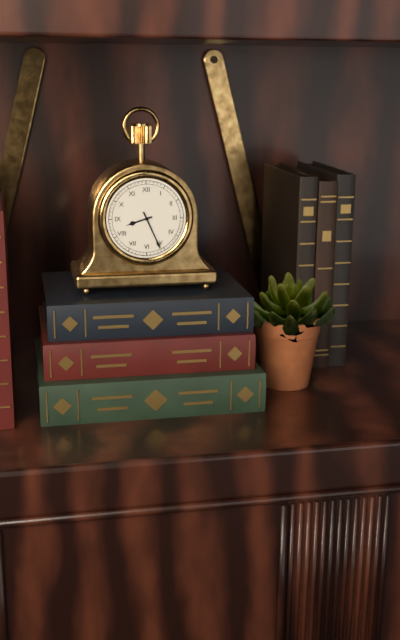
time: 8:26
